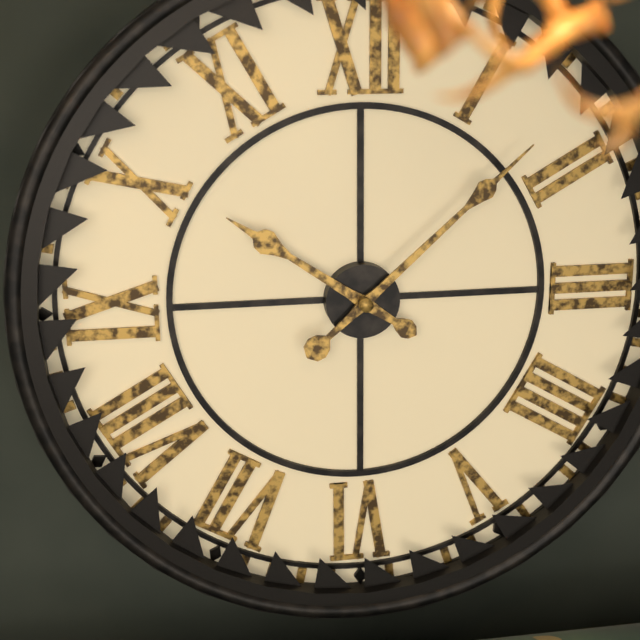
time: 10:08
